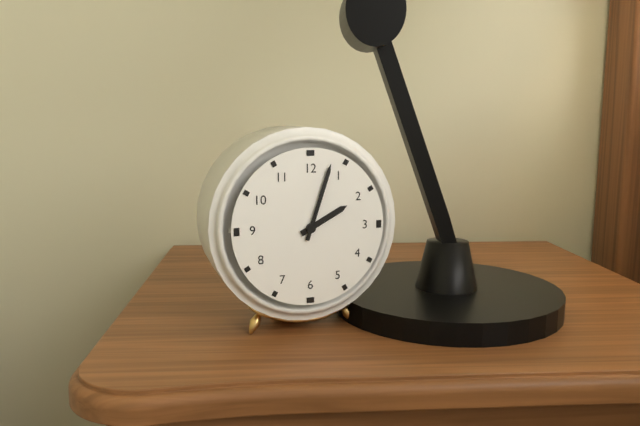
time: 2:03
